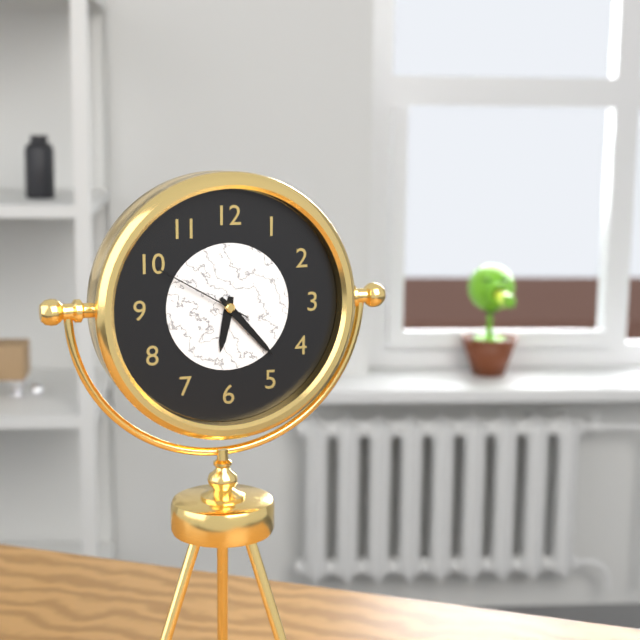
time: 6:23:50
